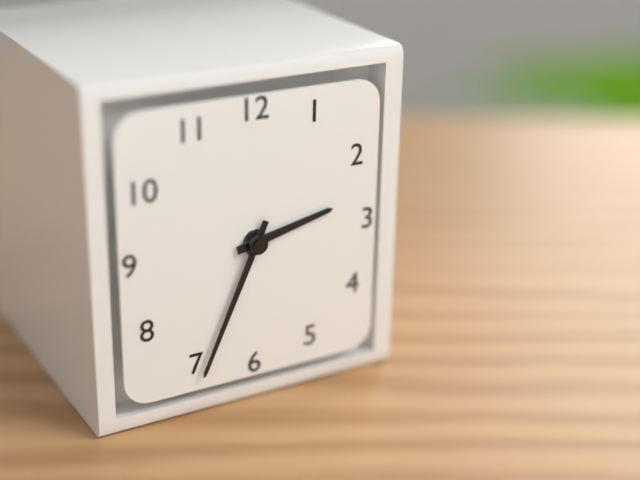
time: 2:34
